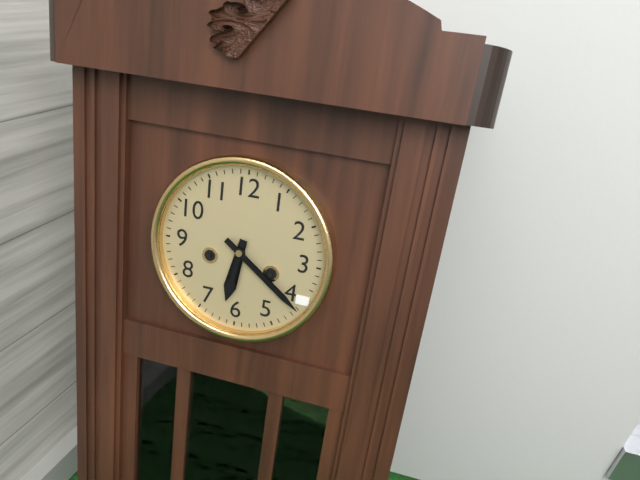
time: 6:21
